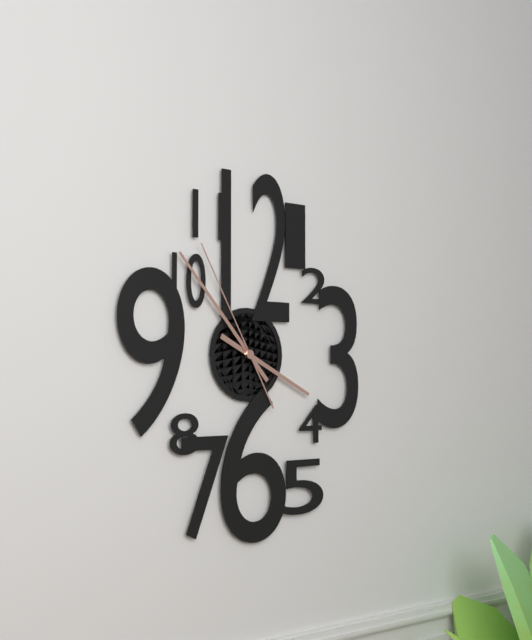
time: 3:53:55
